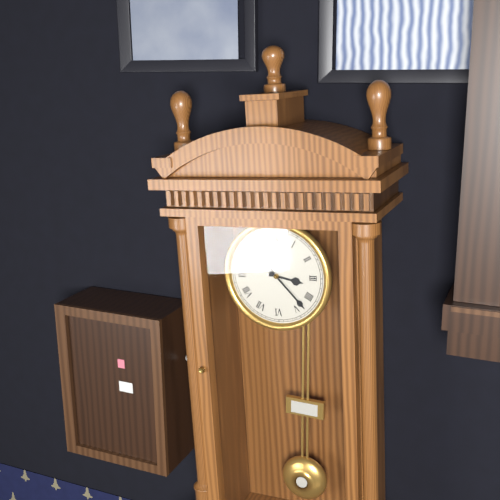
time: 3:23
